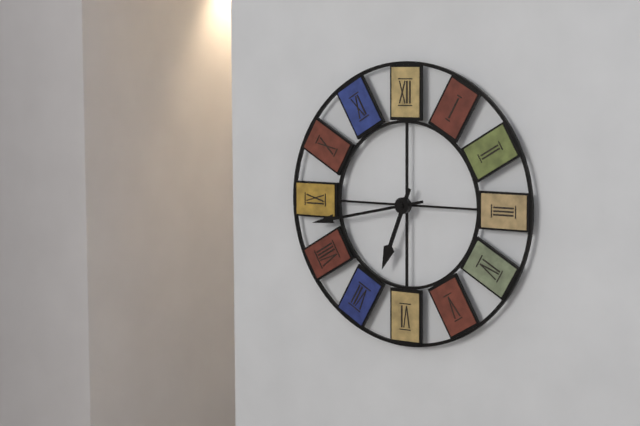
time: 6:43
